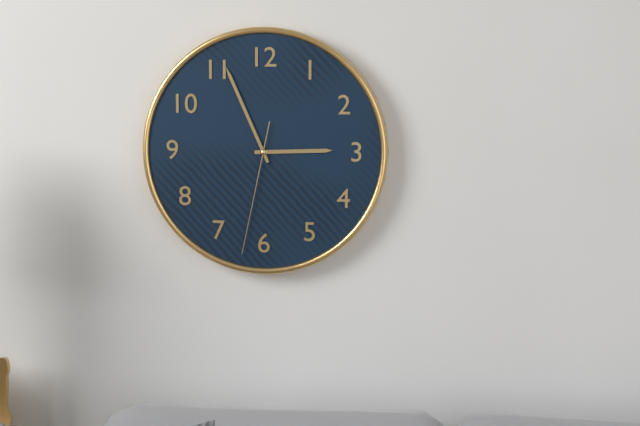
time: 2:56:32
